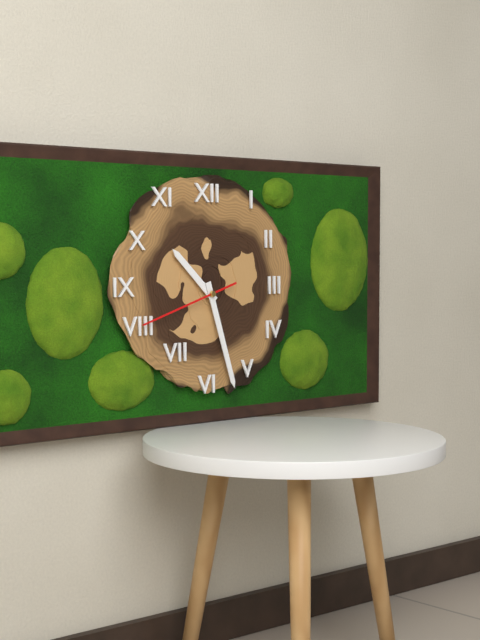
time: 10:27:42
